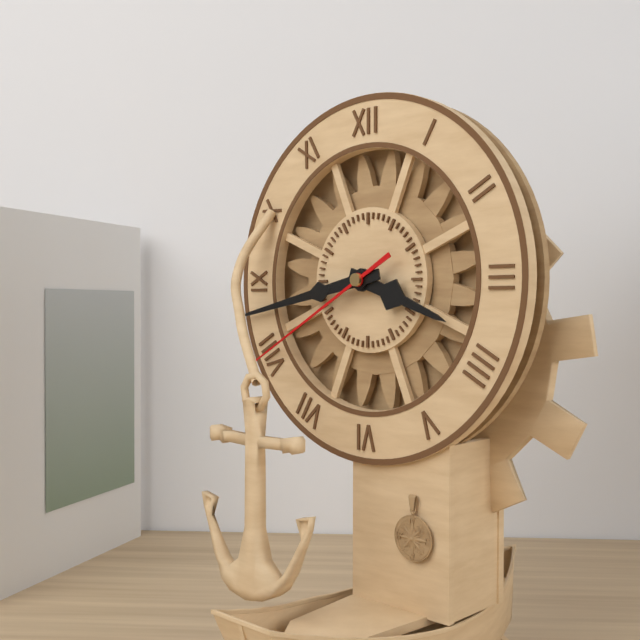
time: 3:43:40
